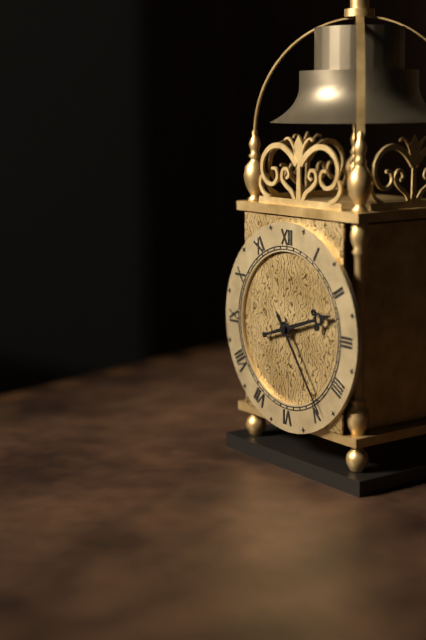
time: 2:24
